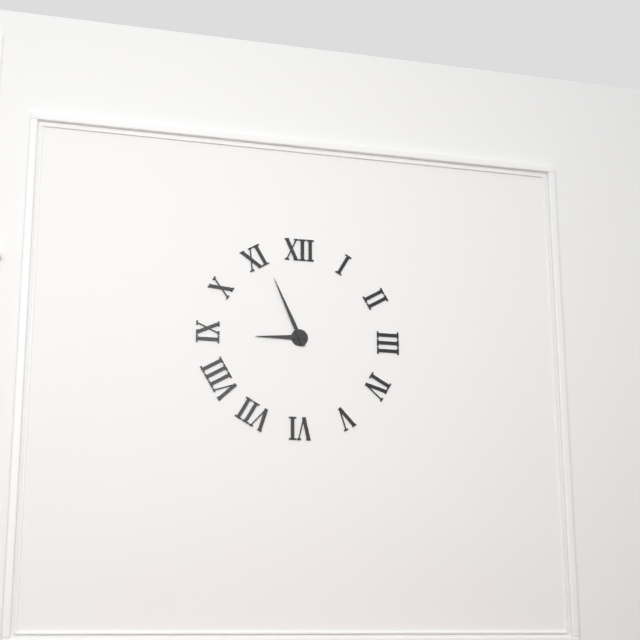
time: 8:56
